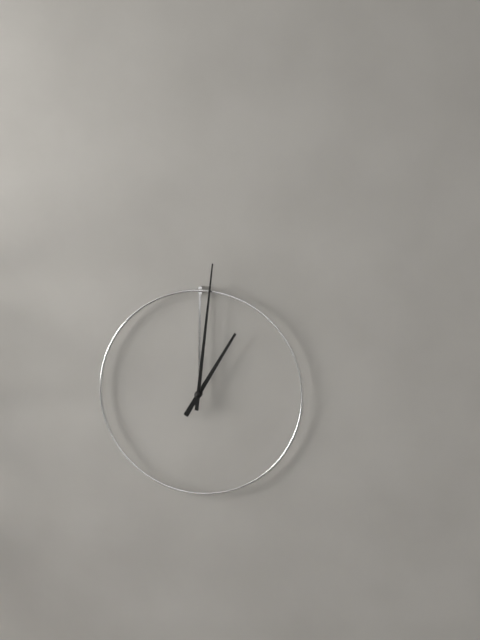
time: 1:01
